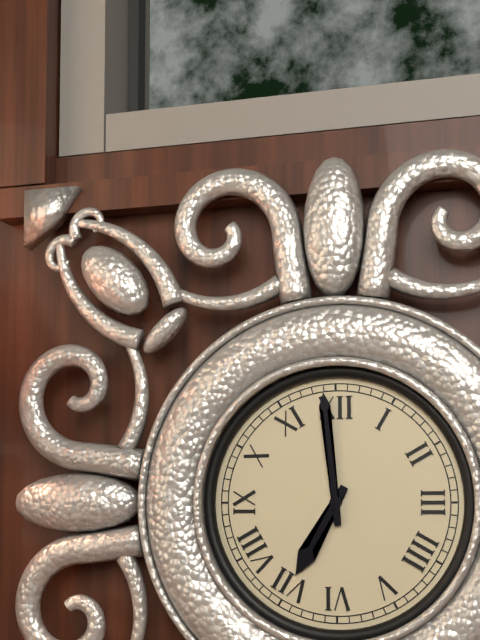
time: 6:59
